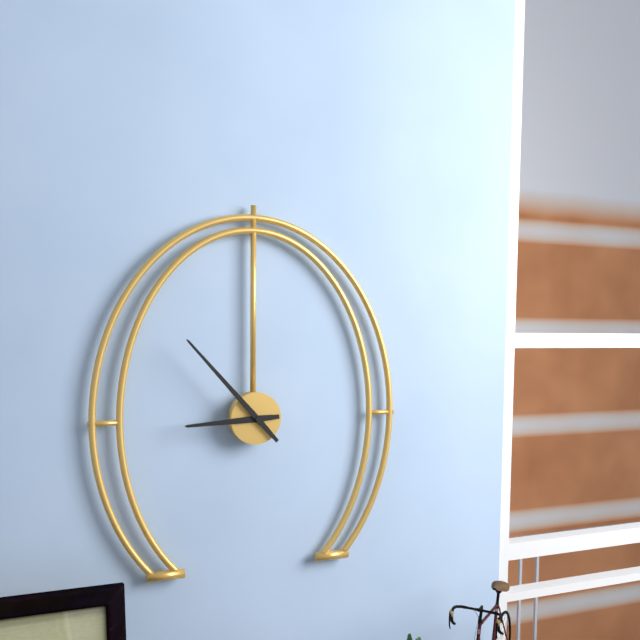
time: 8:53
